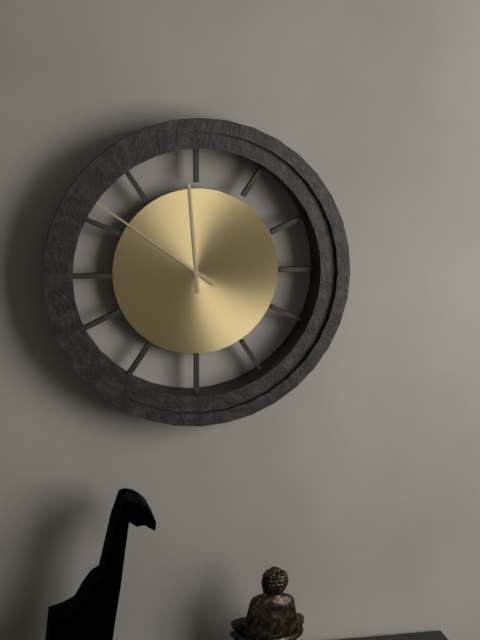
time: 11:51
